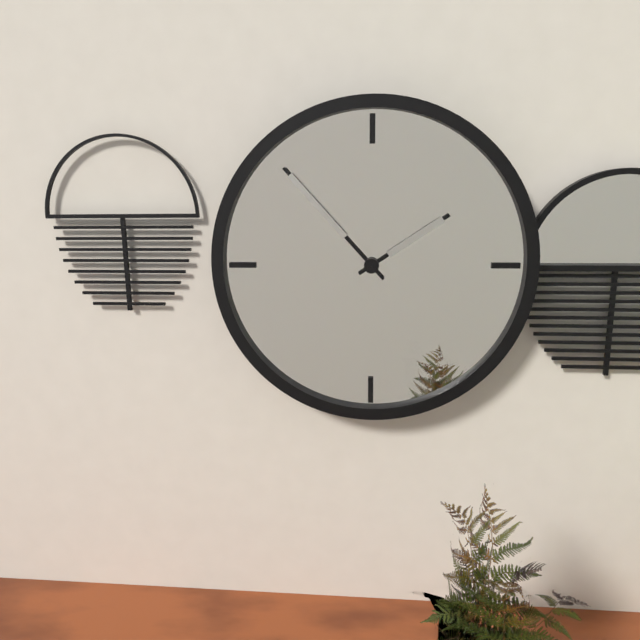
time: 1:53
